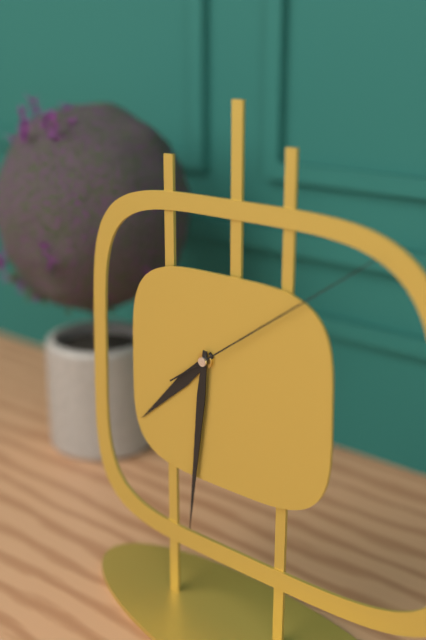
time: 7:31:09
